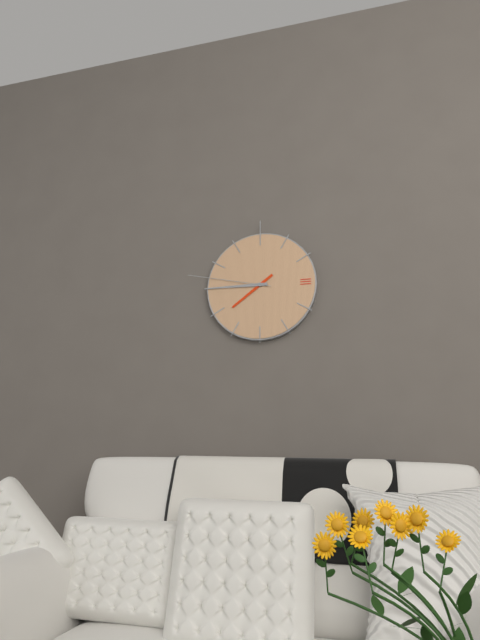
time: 7:45:47
